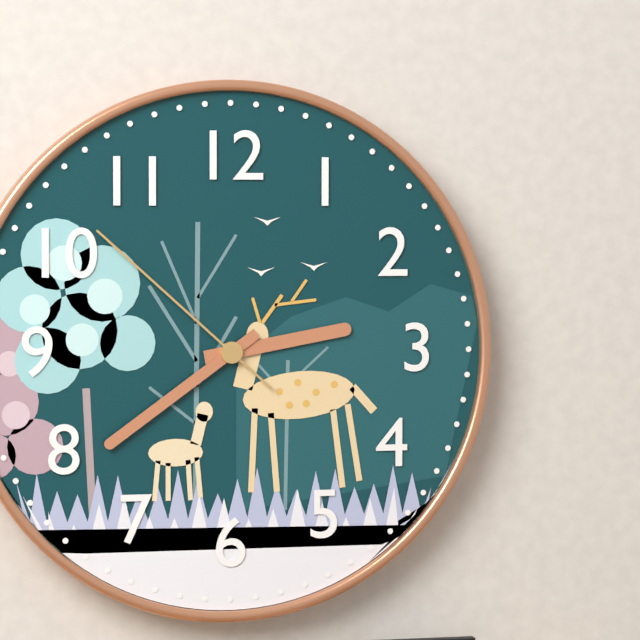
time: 2:39:52
